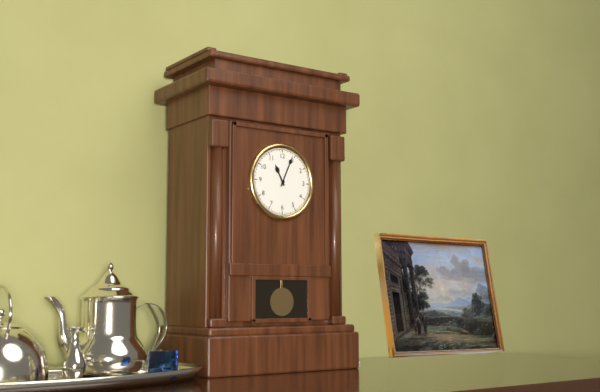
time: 11:04
